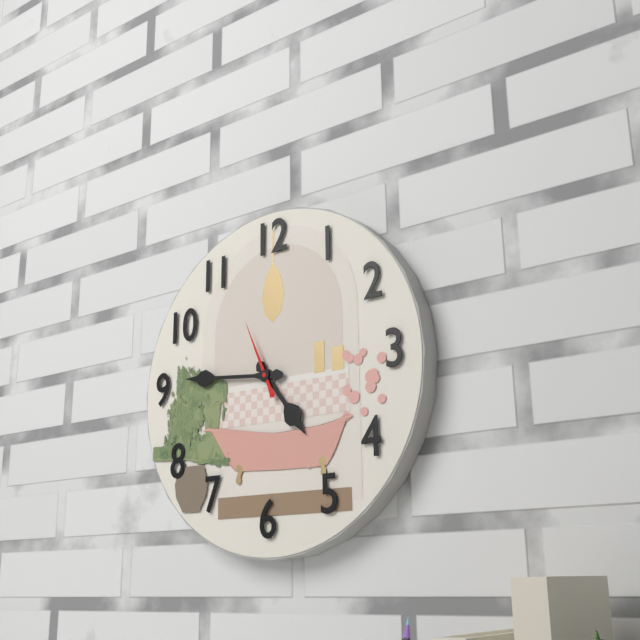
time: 4:46:56
